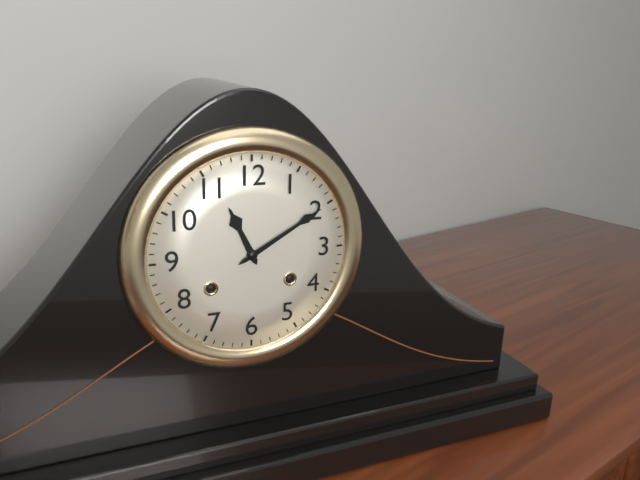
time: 11:10
